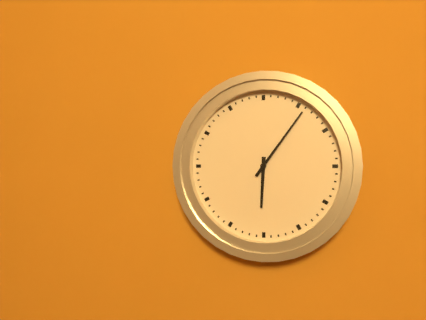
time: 6:06
